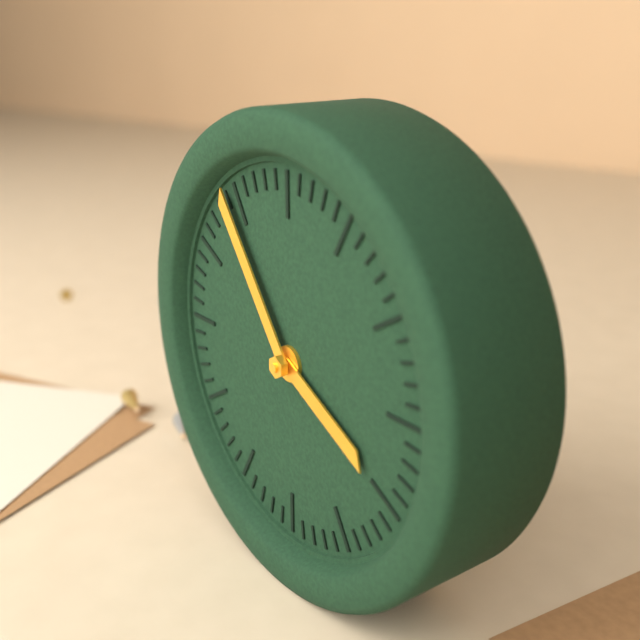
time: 3:54
